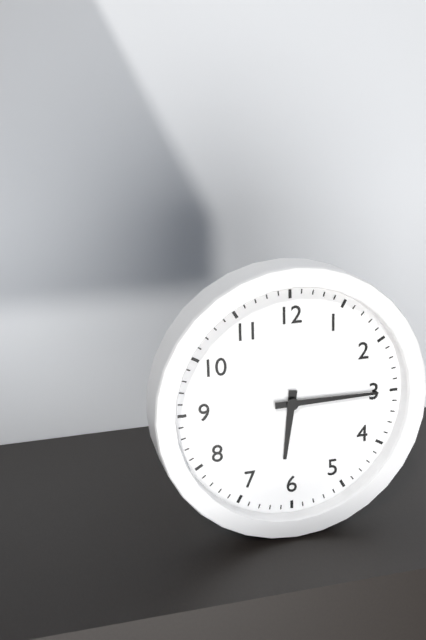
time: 6:15
